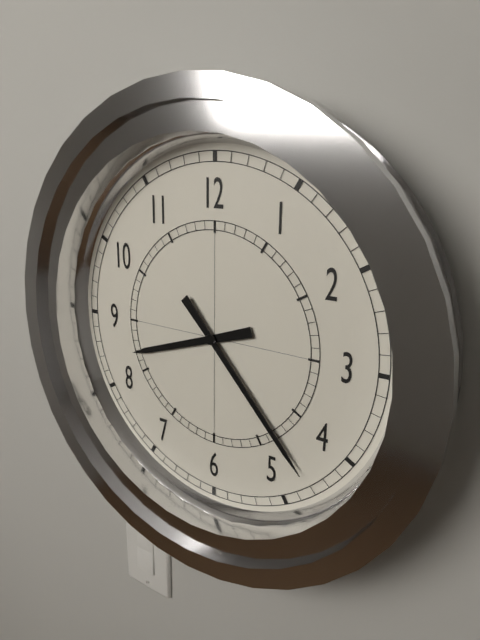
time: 8:23
